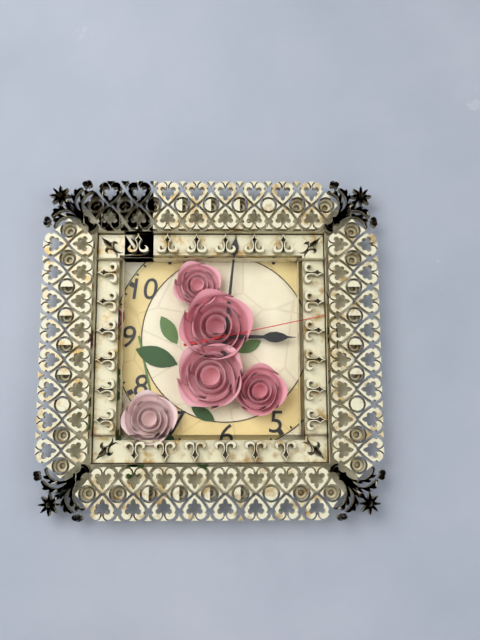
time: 3:01:13
